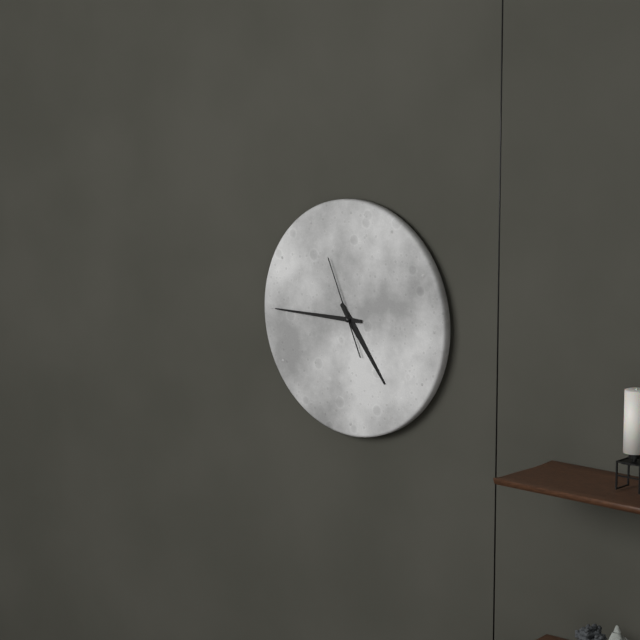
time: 4:45:56
